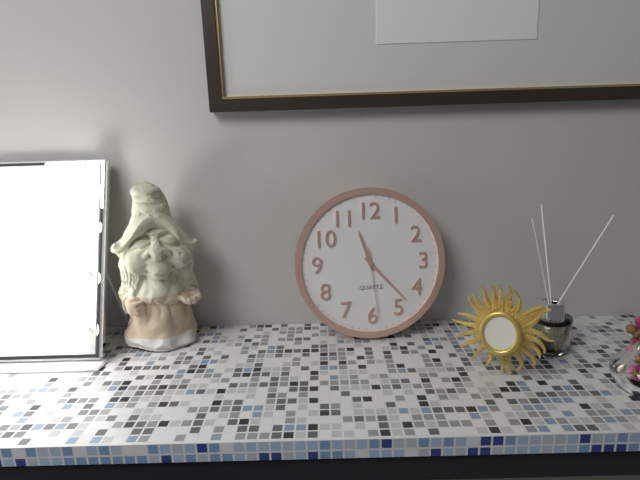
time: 11:23:29
